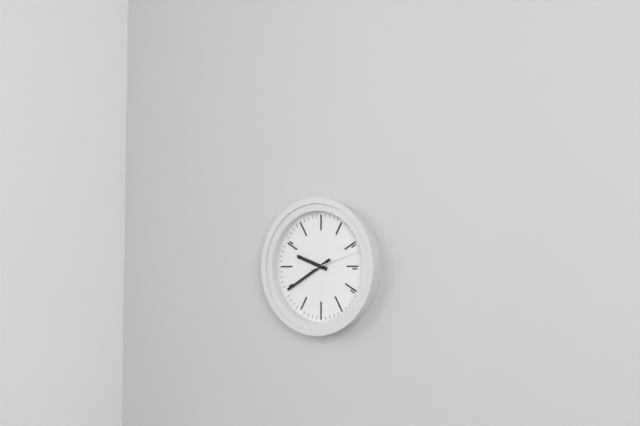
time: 9:40:12
